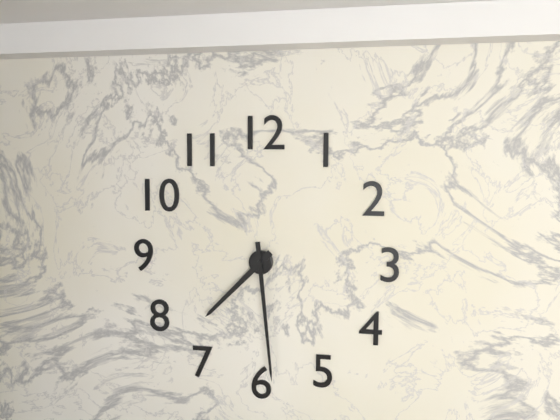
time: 7:29
